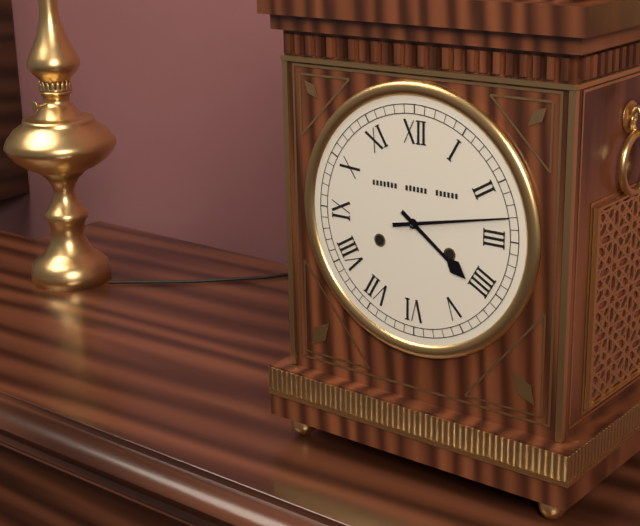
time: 4:13
